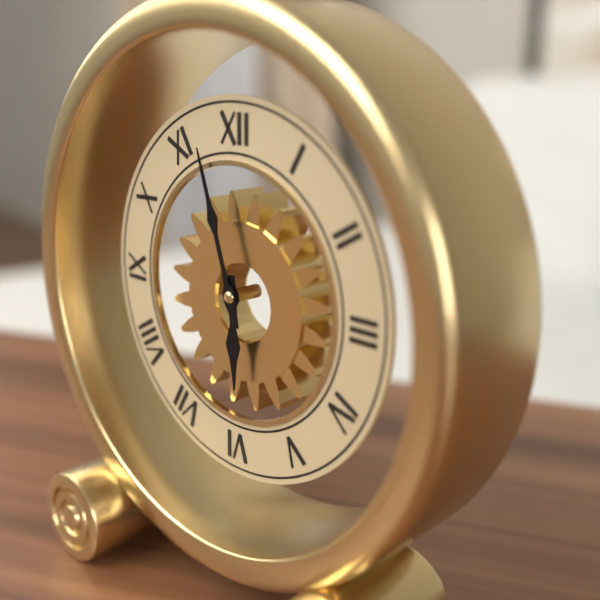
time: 5:57
